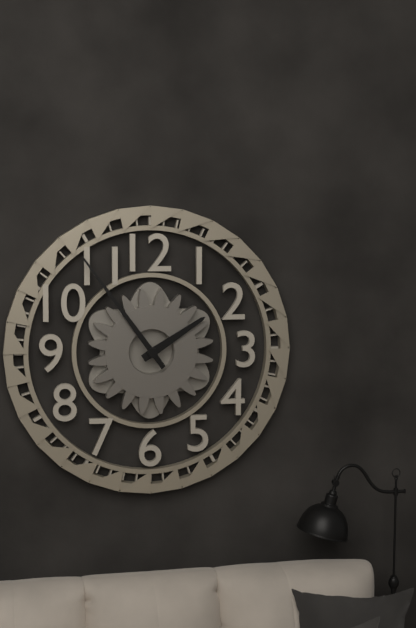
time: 1:54
